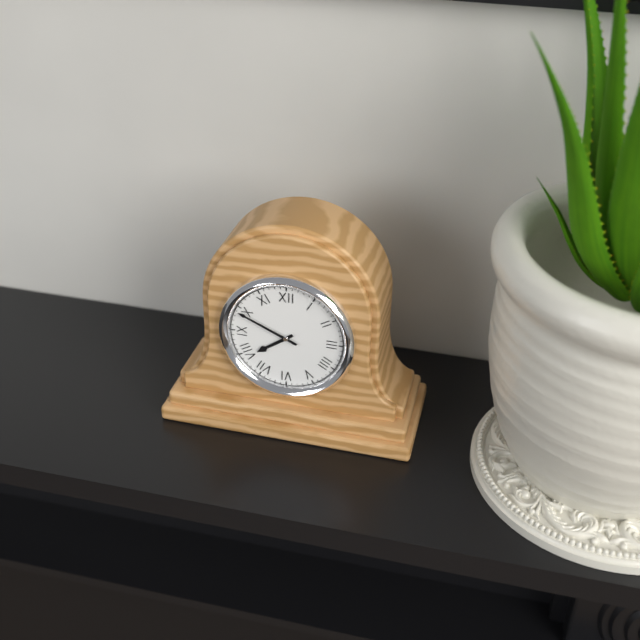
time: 7:49
